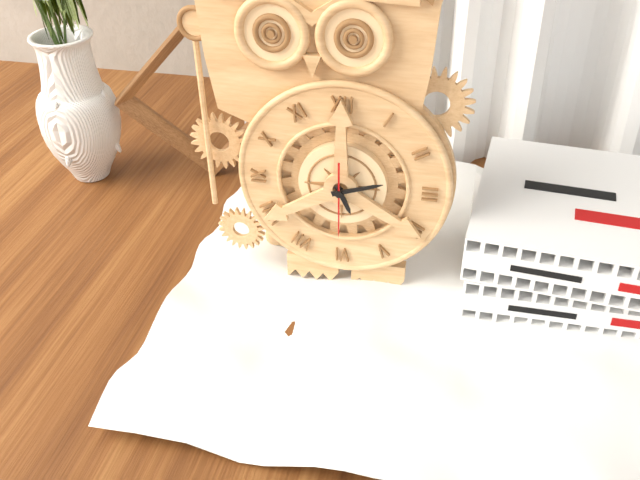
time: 5:12:30
